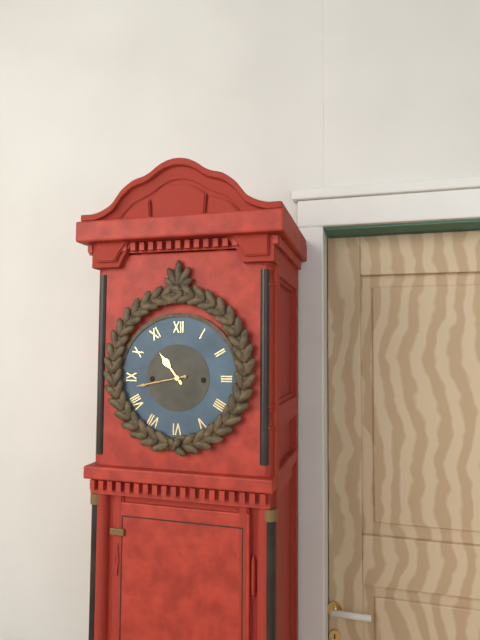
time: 10:43
